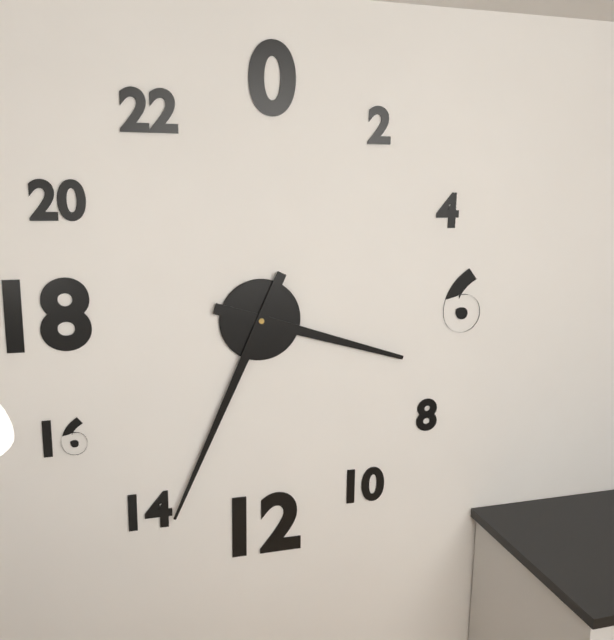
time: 3:34
